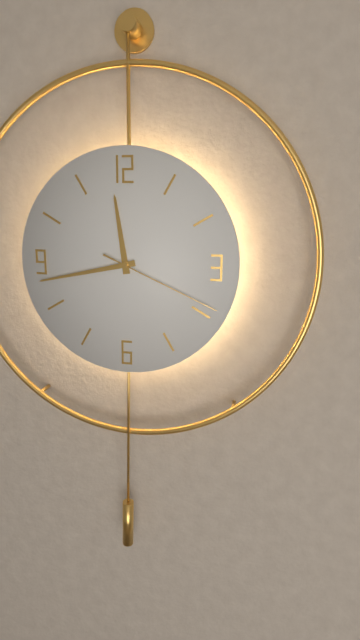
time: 11:43:19
